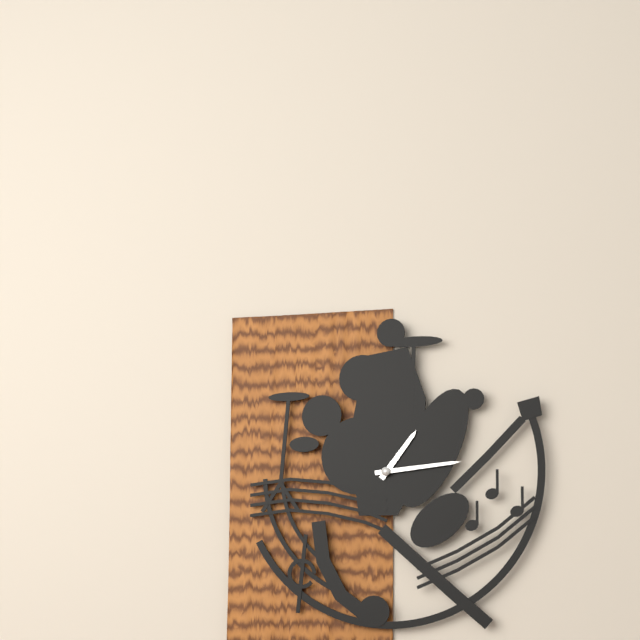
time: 1:14
